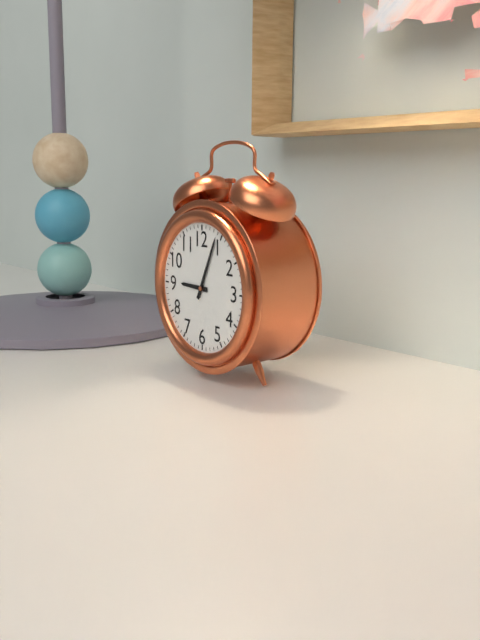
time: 9:04
